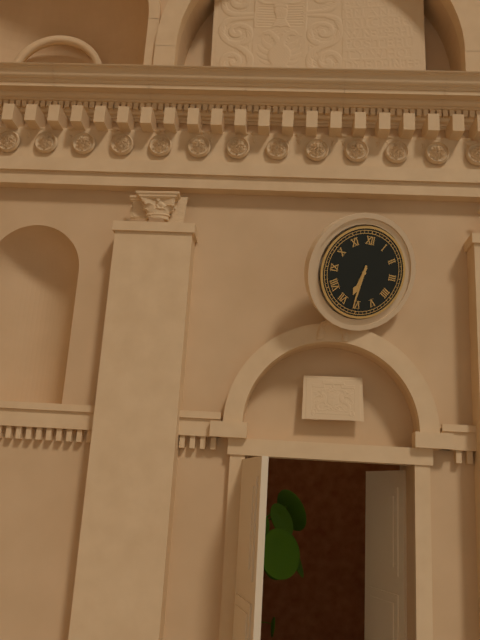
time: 6:31
